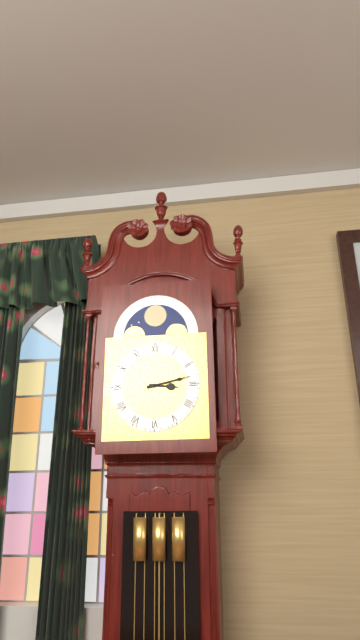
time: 3:13
